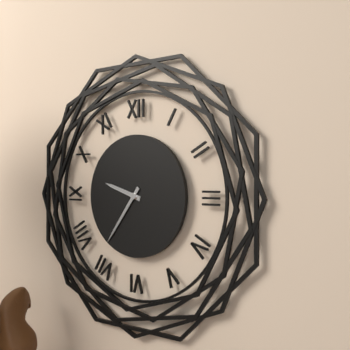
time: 9:36
